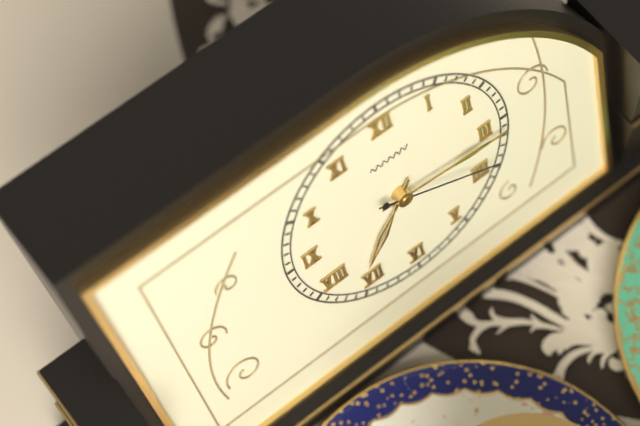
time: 7:16:19
